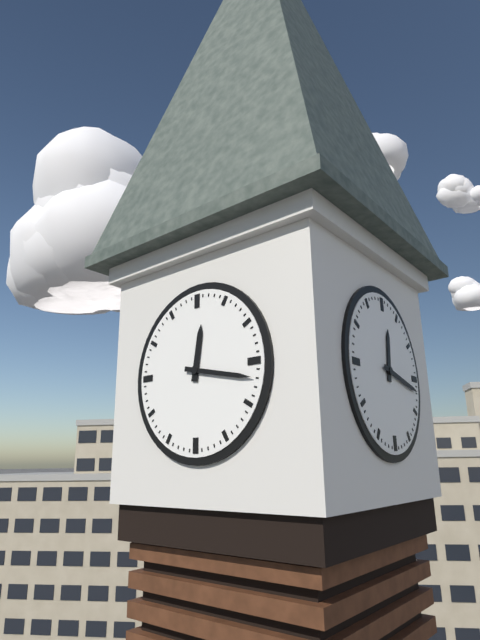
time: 12:17
